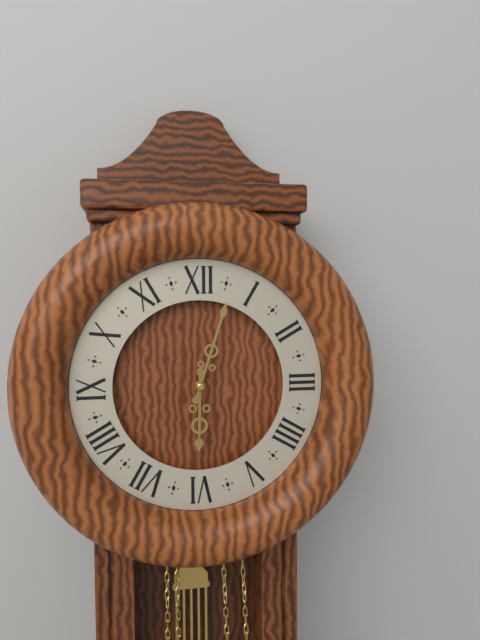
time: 6:03
